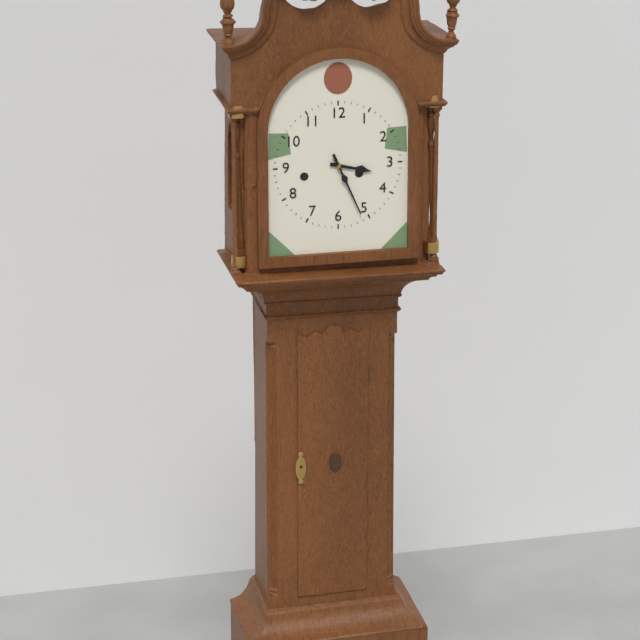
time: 3:26
